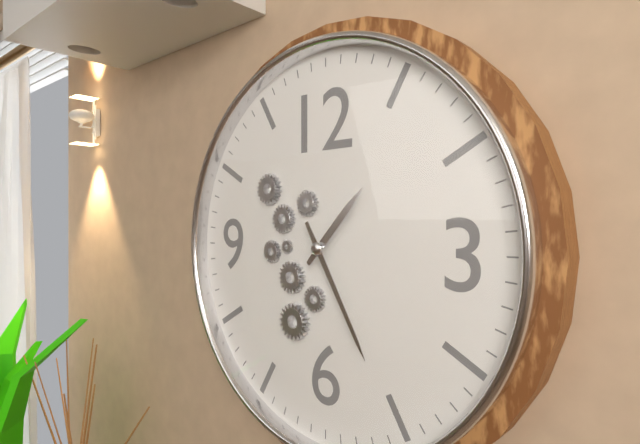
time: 1:25
